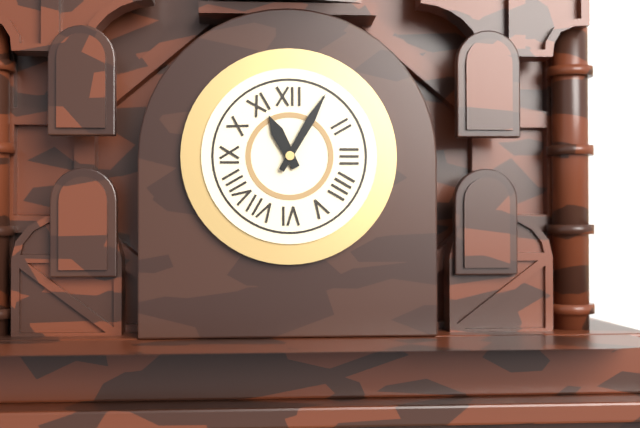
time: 11:05
